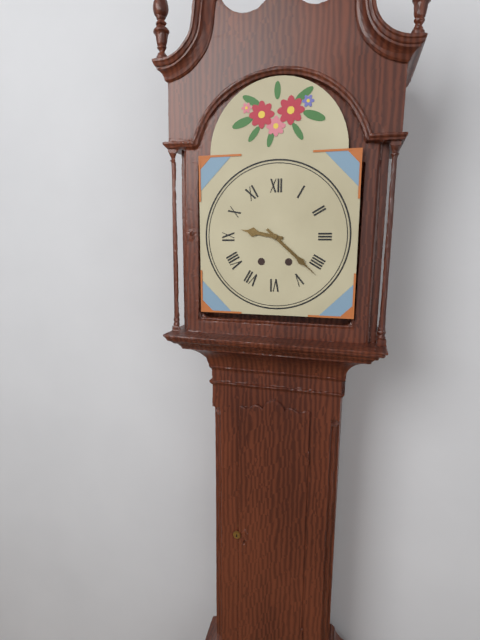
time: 9:22
